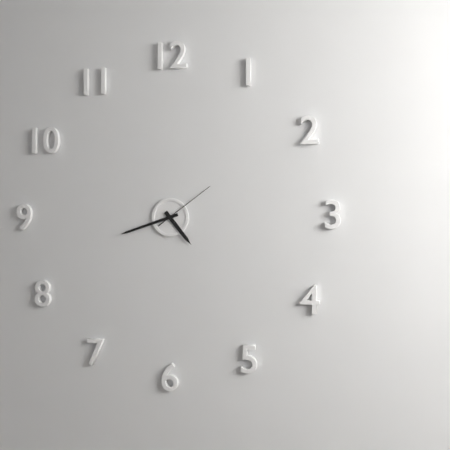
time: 4:42:09
